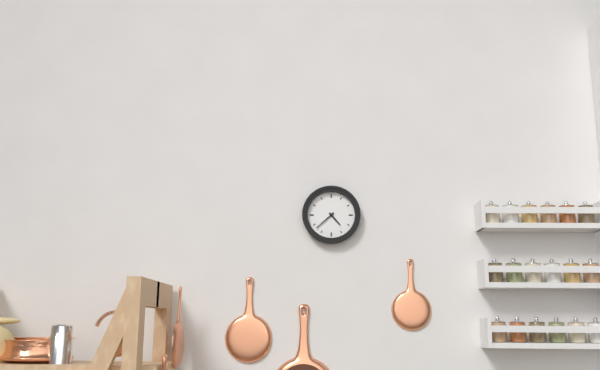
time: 4:38
